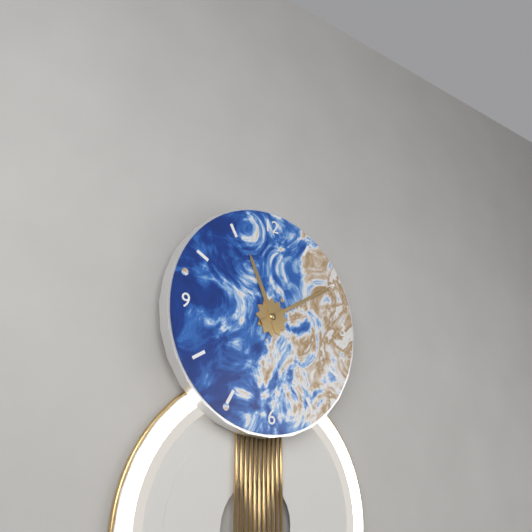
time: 11:10
